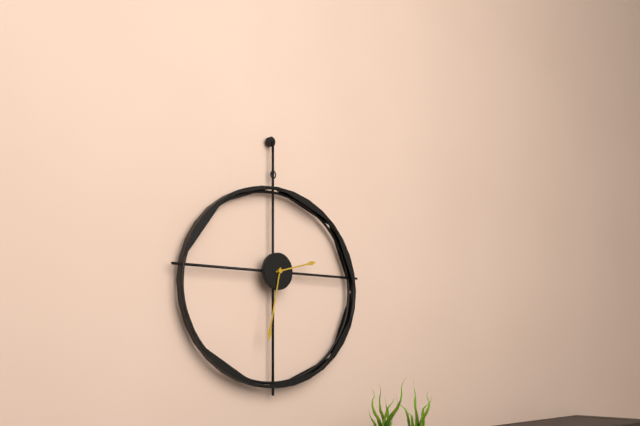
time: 2:32
